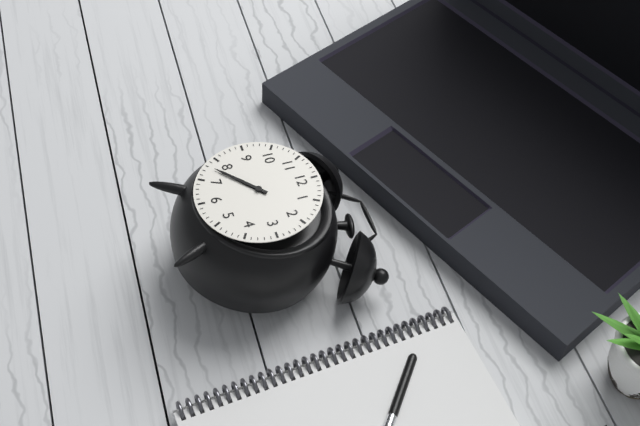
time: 7:38
